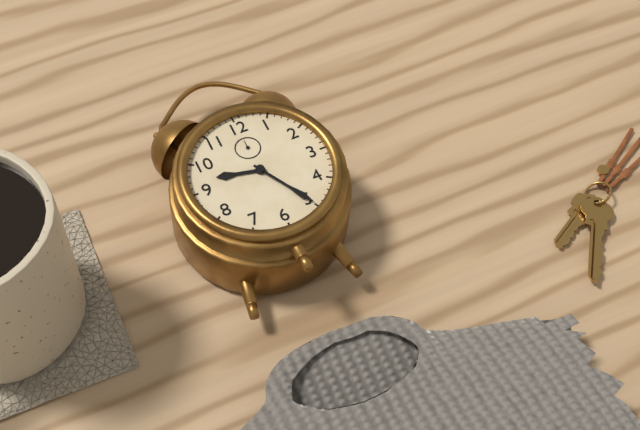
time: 9:25
